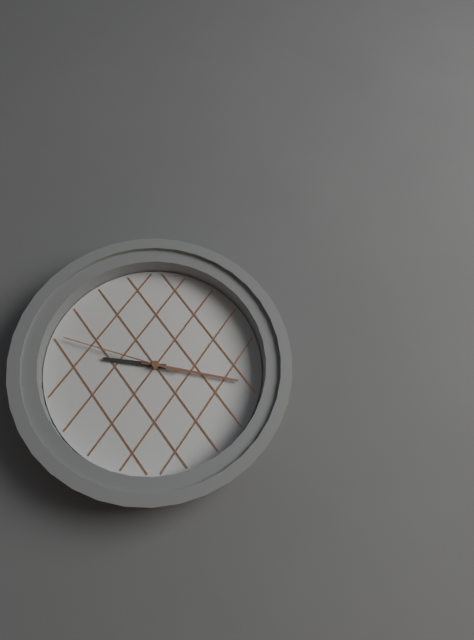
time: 9:17:48
